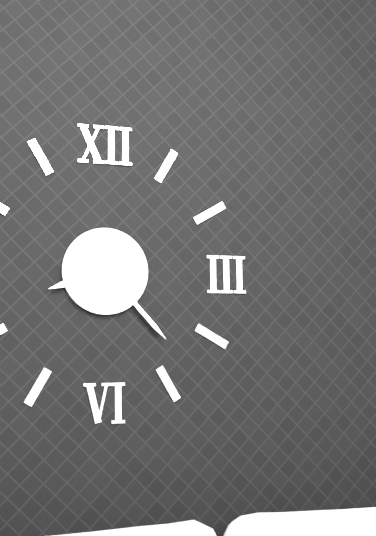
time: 8:23
